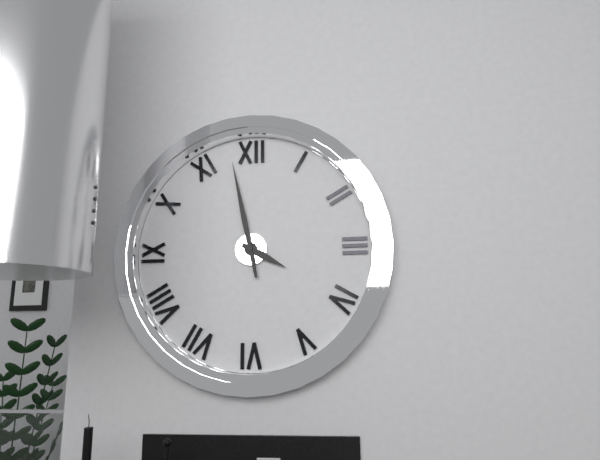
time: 3:58
